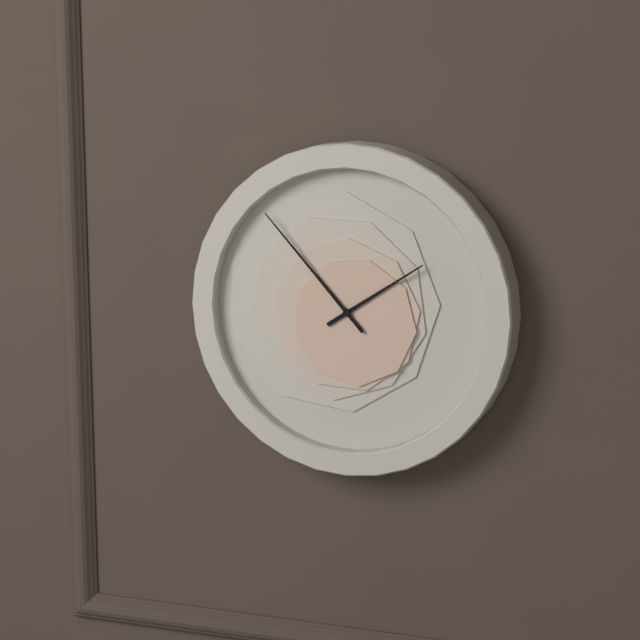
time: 1:53
